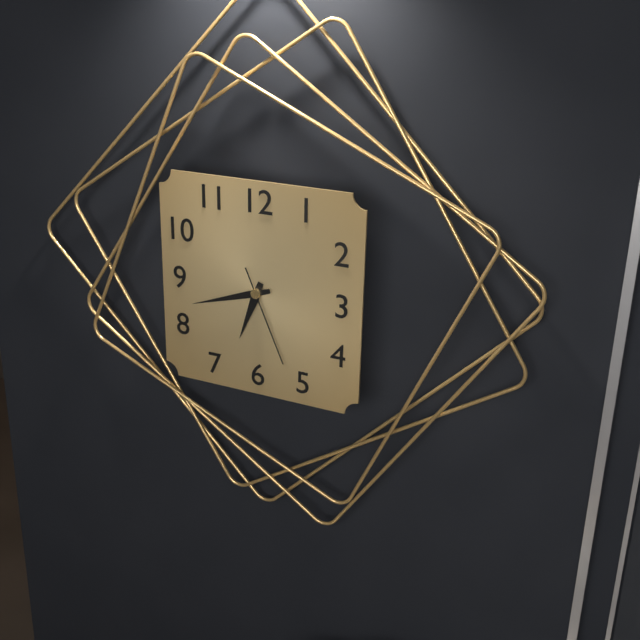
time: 6:42:26
